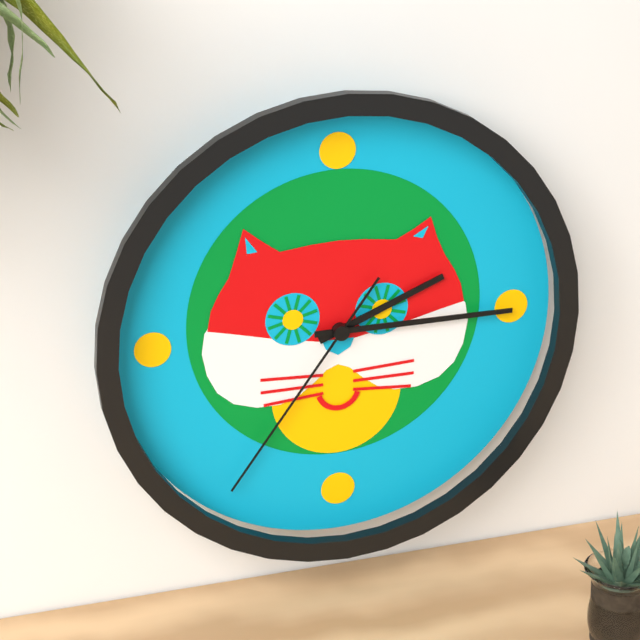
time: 2:15:36
